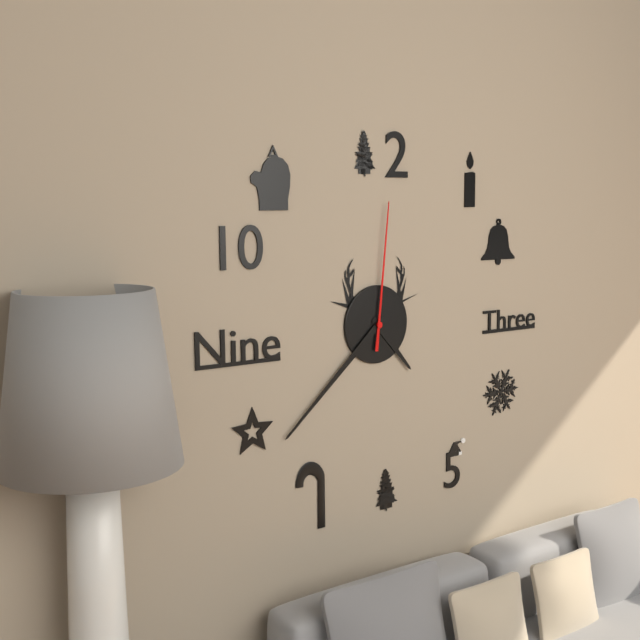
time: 4:38:01
